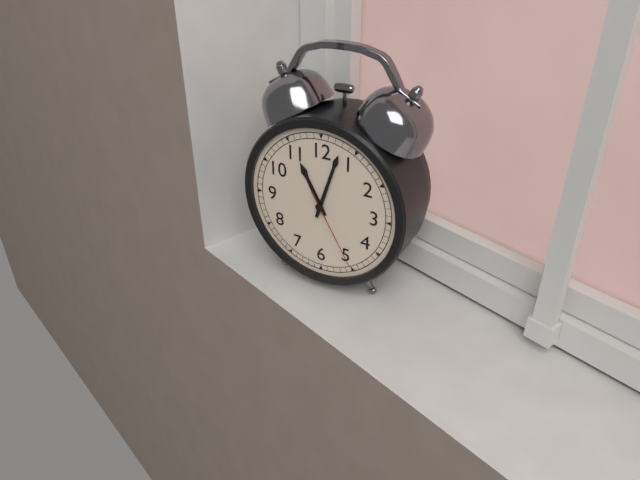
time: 11:03:25
